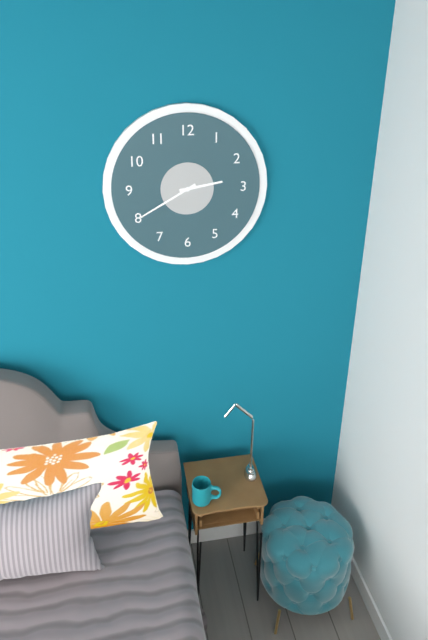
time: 2:40
